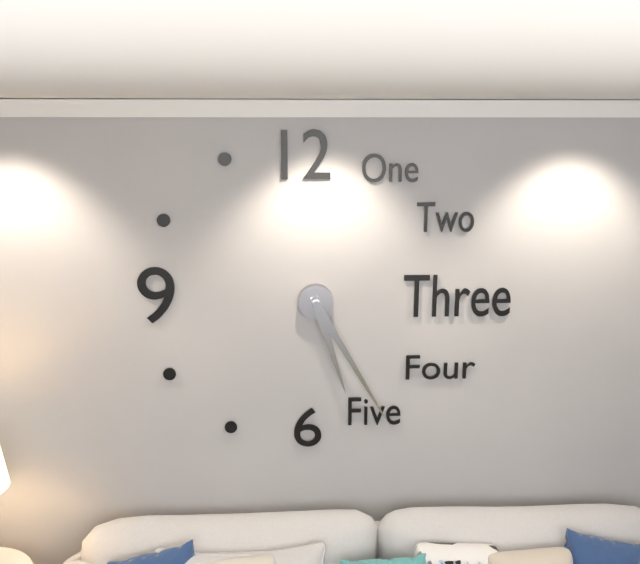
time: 5:25
